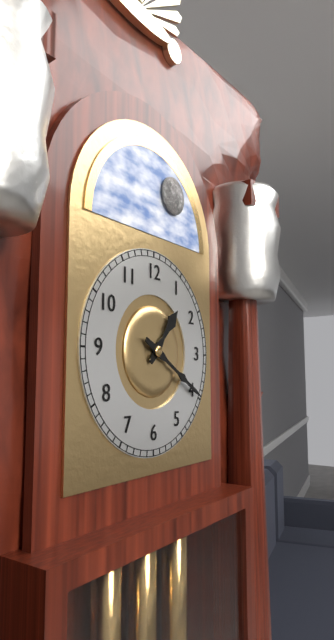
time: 1:20
